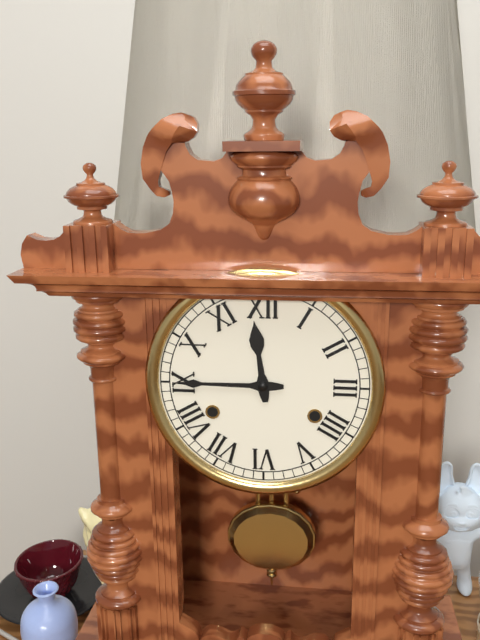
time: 11:45
